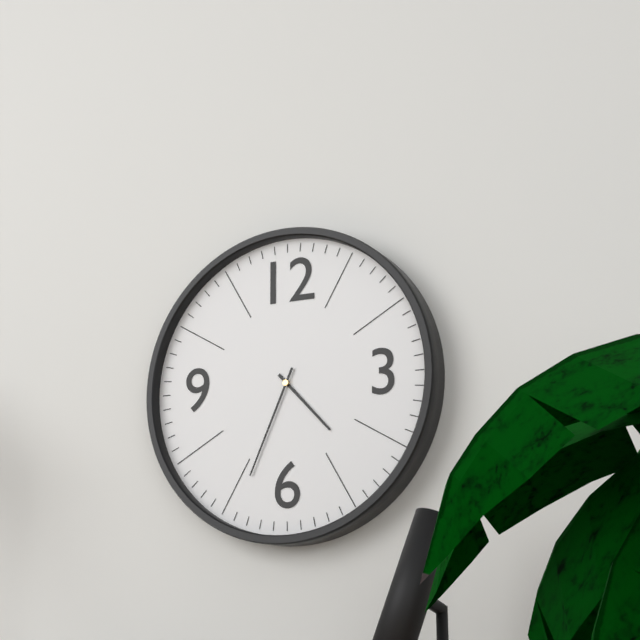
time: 4:34
